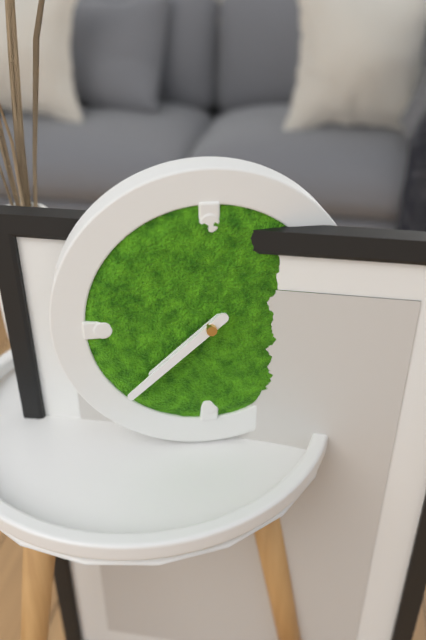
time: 7:38
